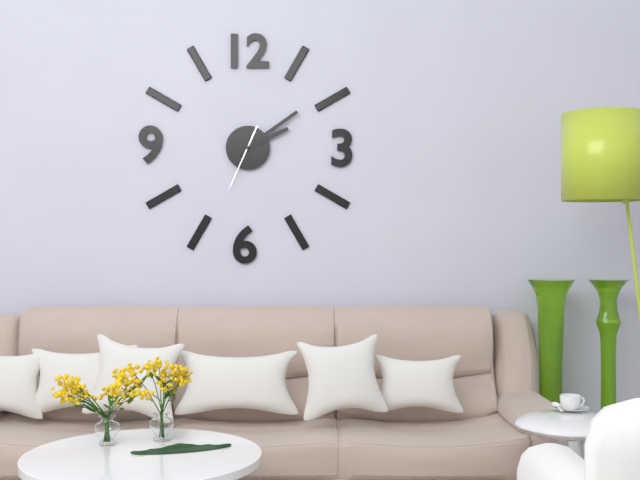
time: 2:09:34
